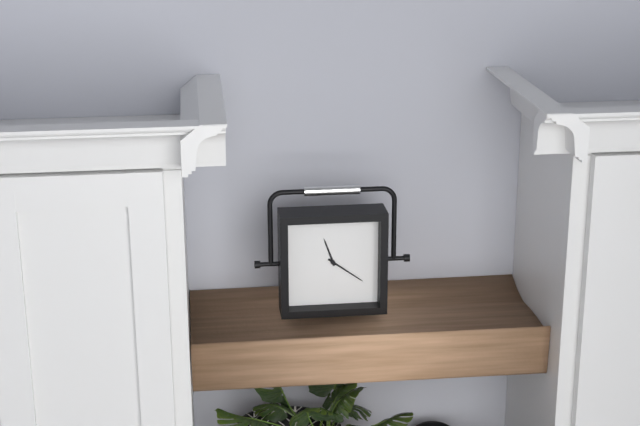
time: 11:21
